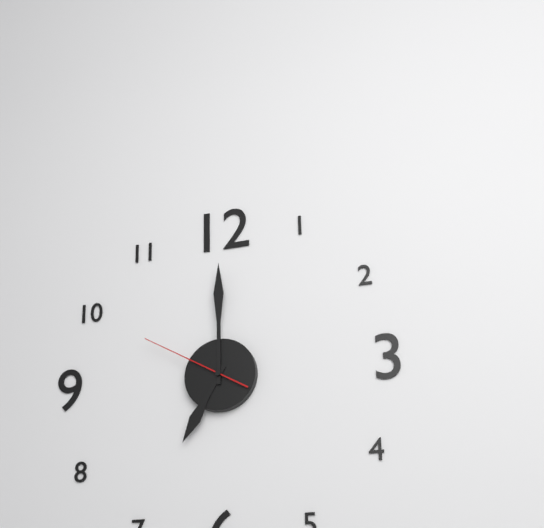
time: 7:00:50
